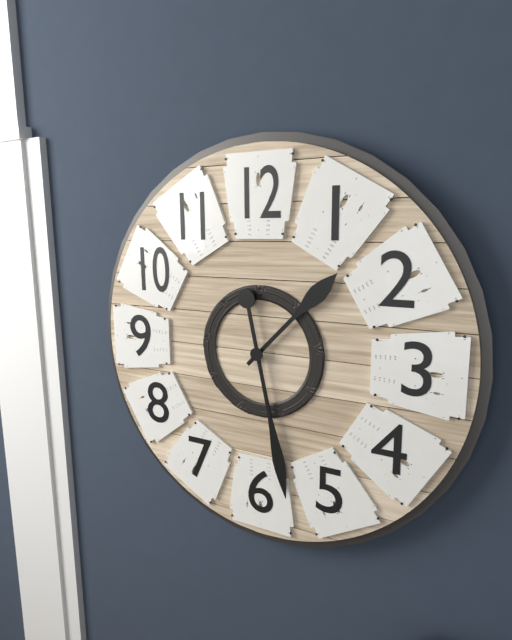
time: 1:28
